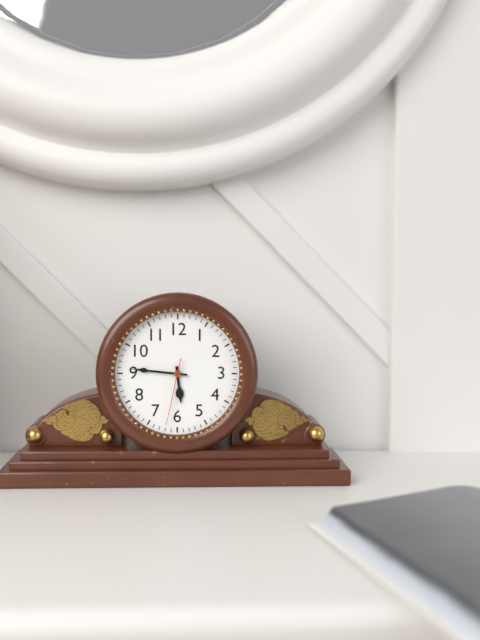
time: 5:46:32
